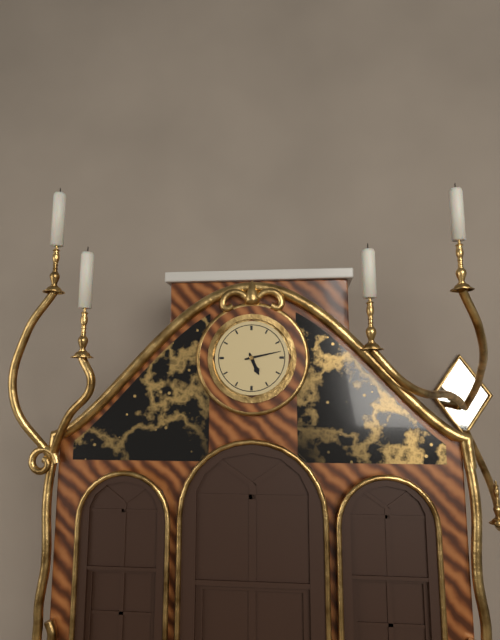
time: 5:13
